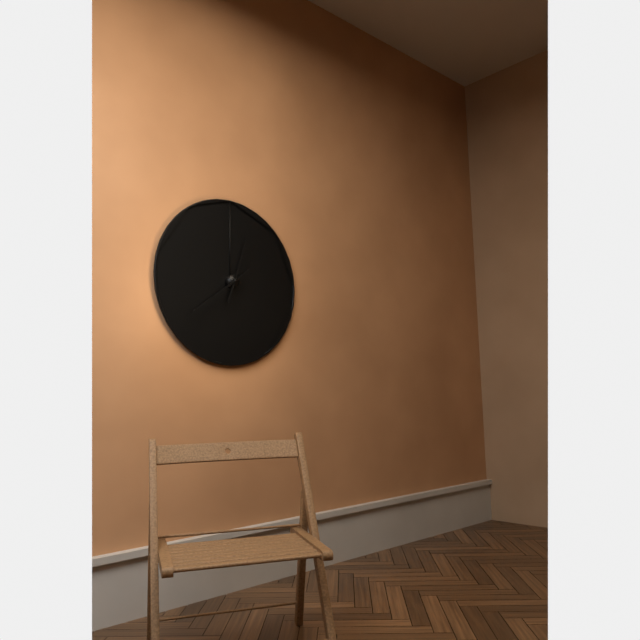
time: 12:39
